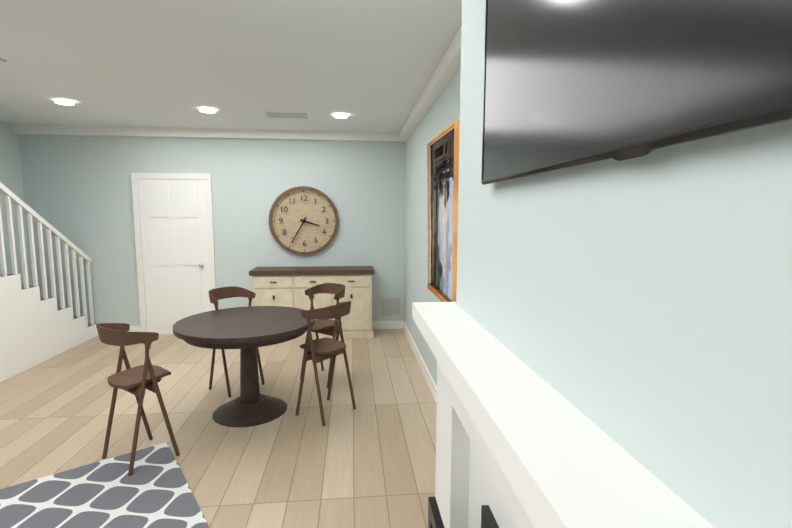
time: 3:35
